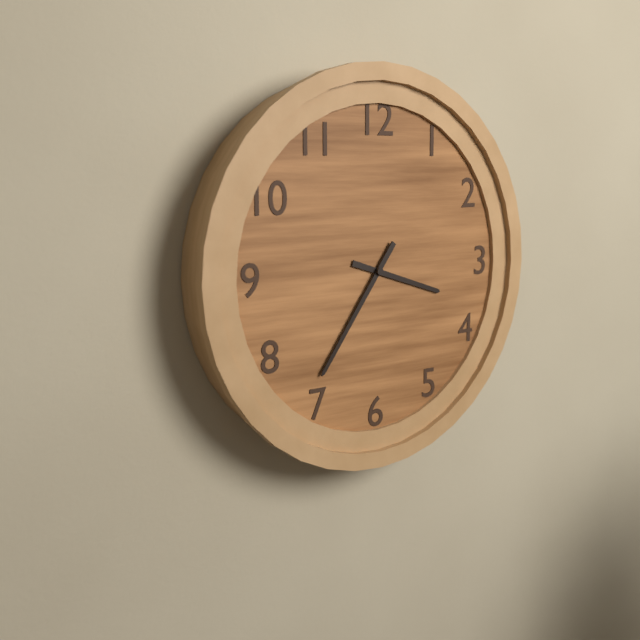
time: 3:36
